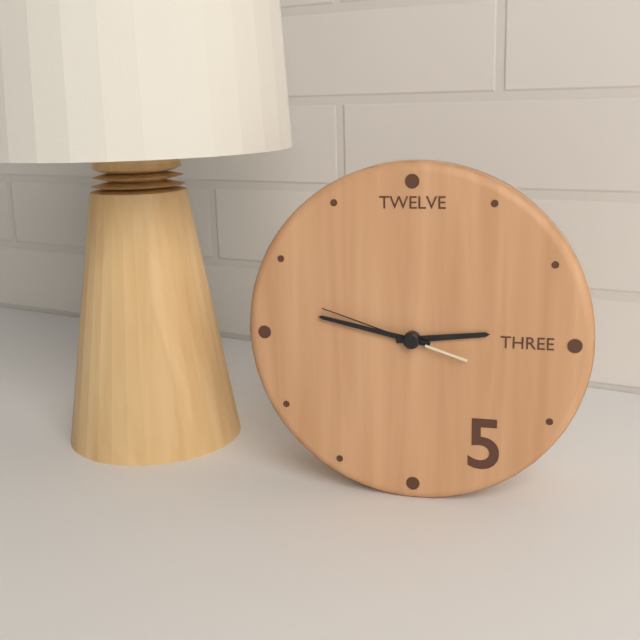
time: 2:47:48
